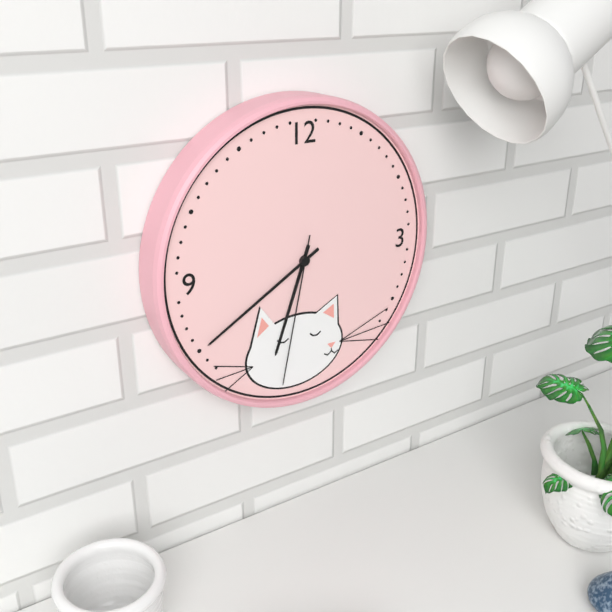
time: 6:40:32
